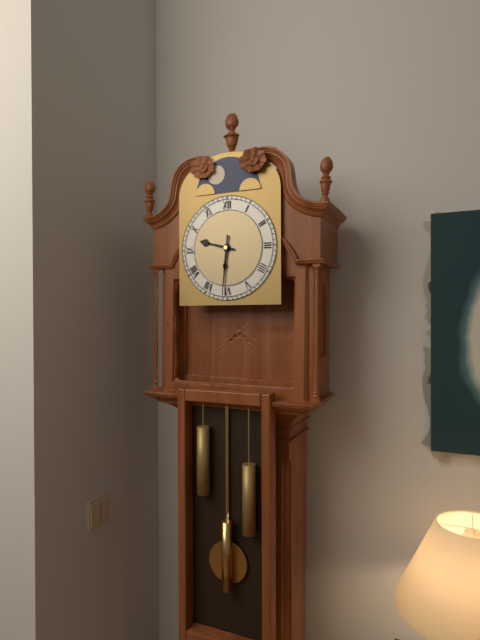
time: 9:31
